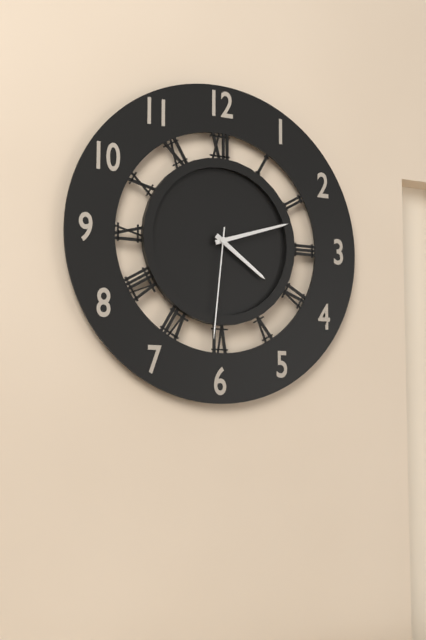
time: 4:12:31
